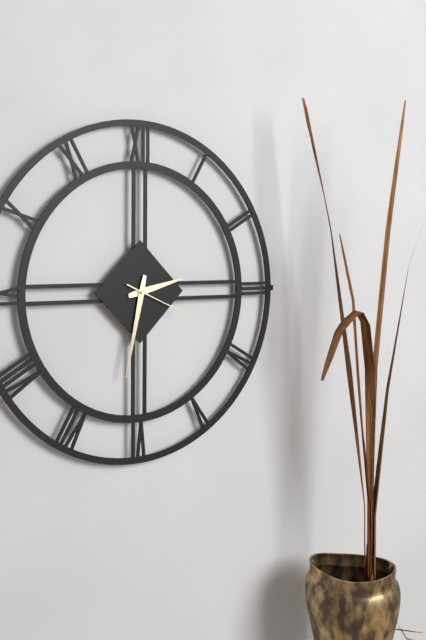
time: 2:32:19
